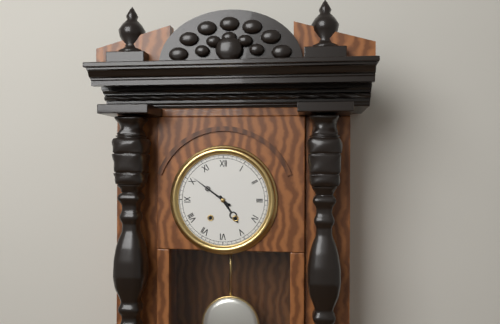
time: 4:51
